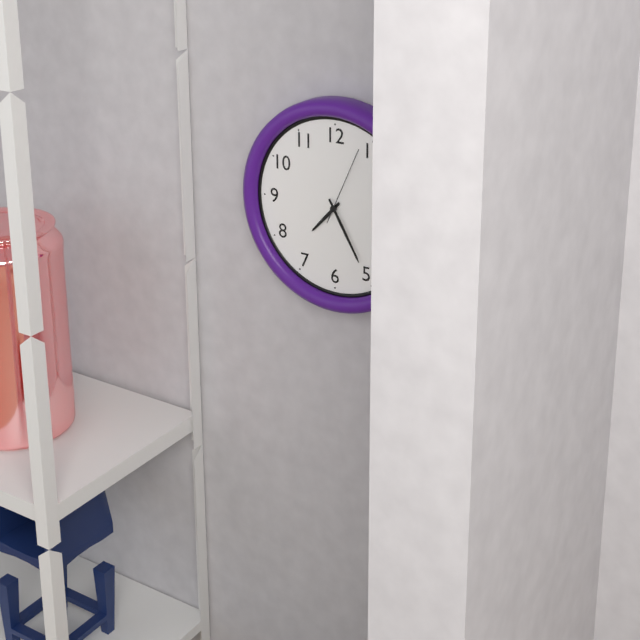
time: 7:25:04
